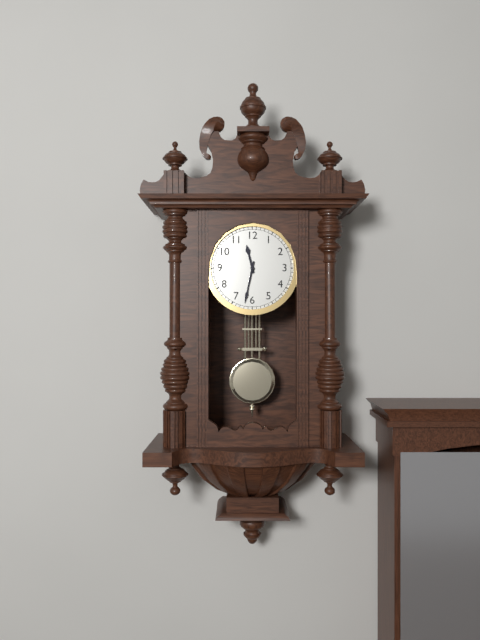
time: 11:32
